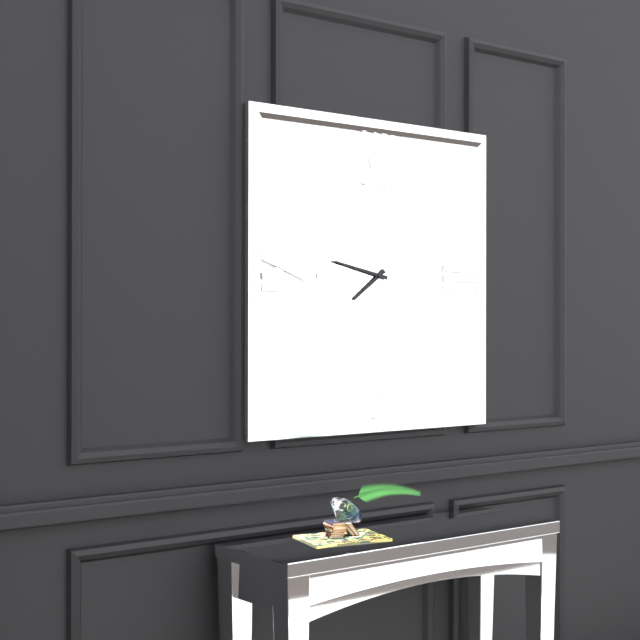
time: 7:47
